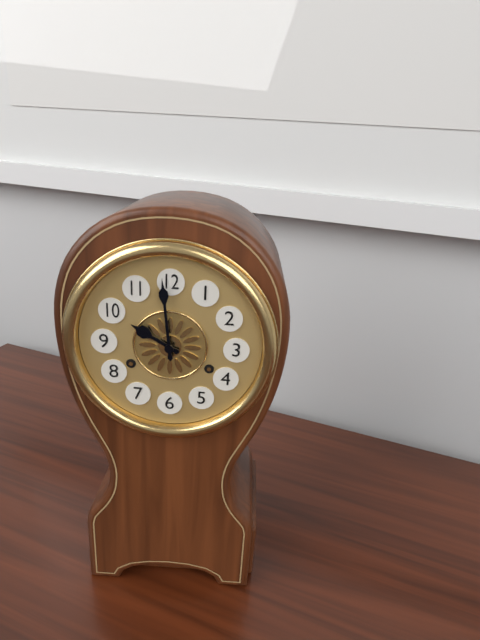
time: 9:59
